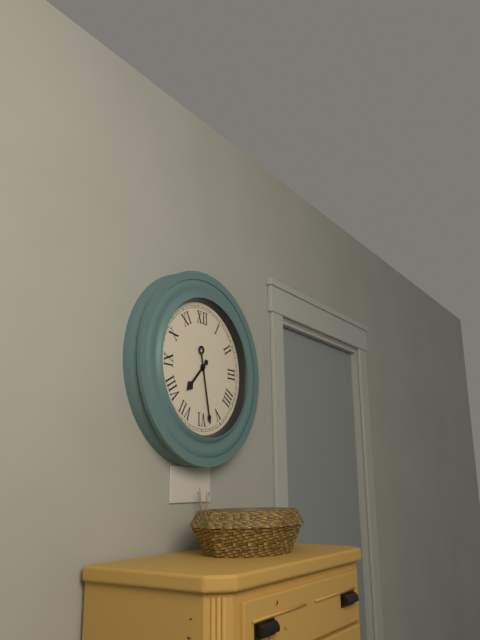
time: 7:28
